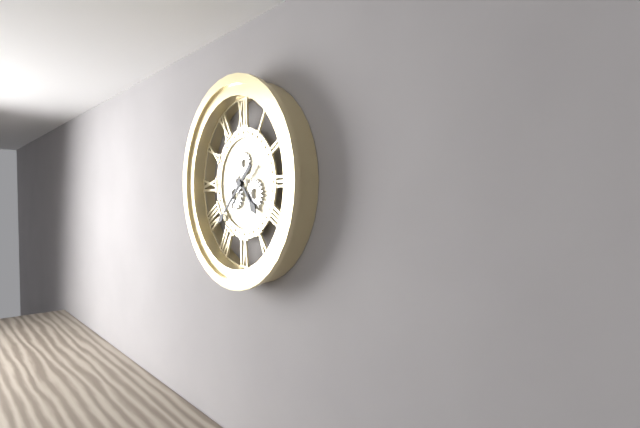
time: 4:38
